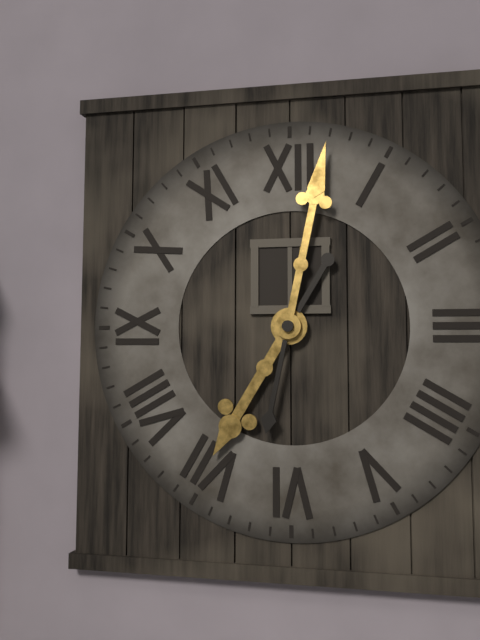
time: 7:02
